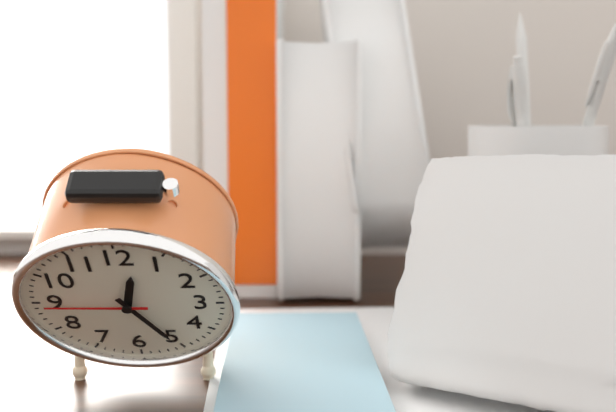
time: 12:25:45
